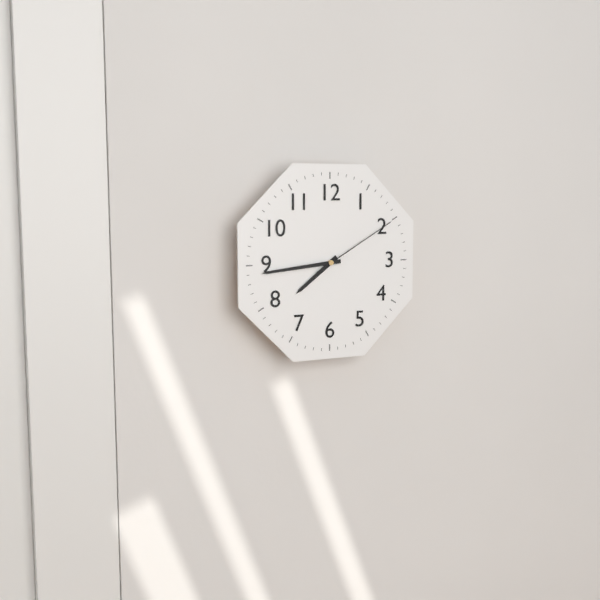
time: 7:44:10
